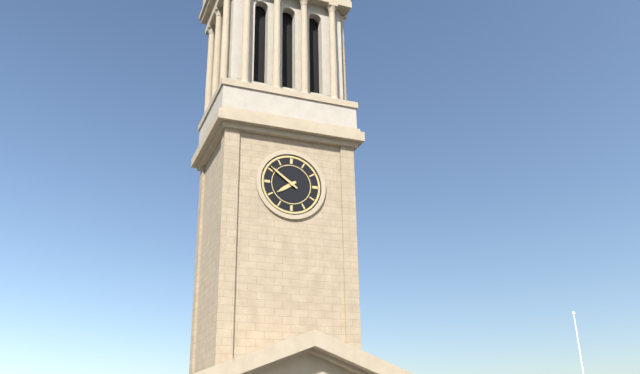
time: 7:51
